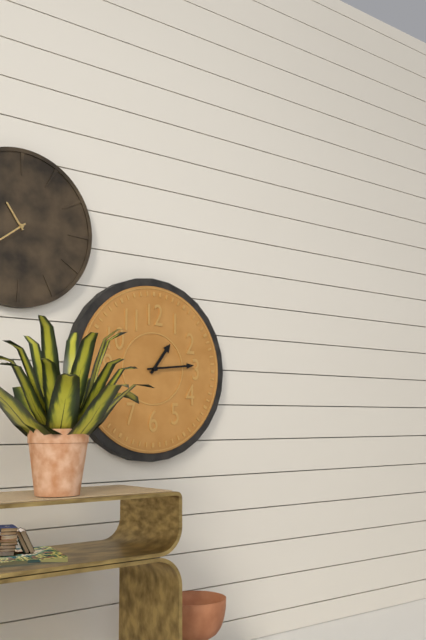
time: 1:14
